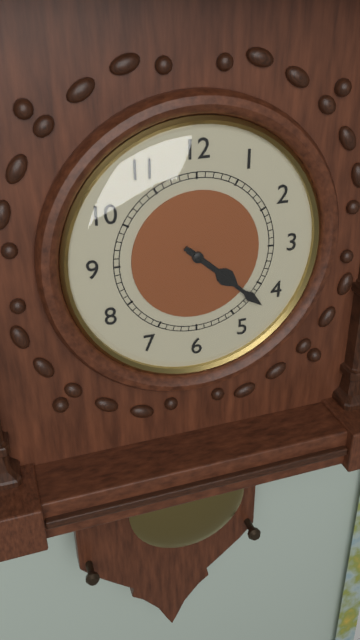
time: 4:22
